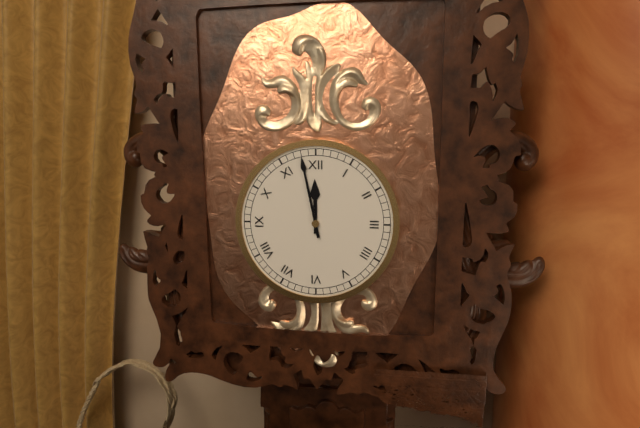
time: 11:58
